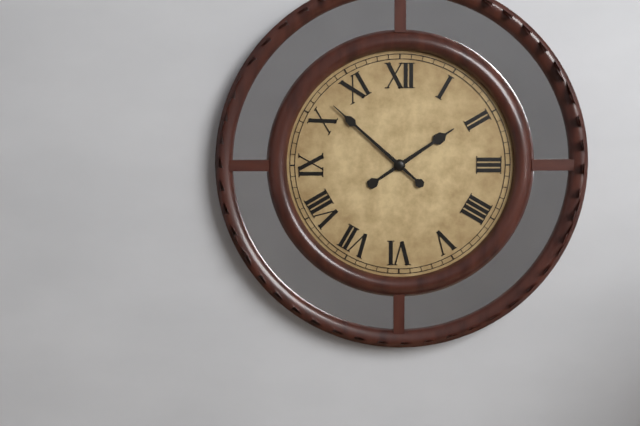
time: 1:52
